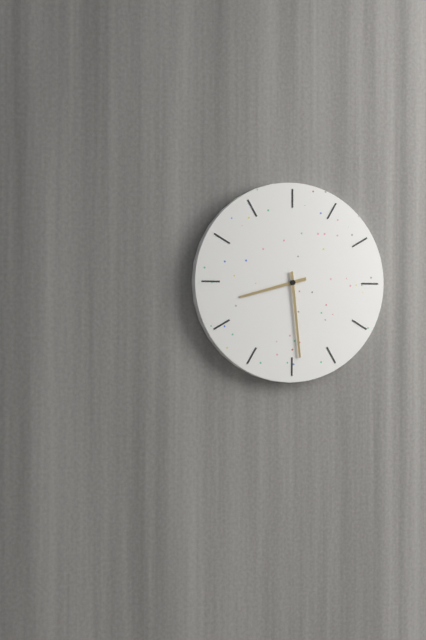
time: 8:29
